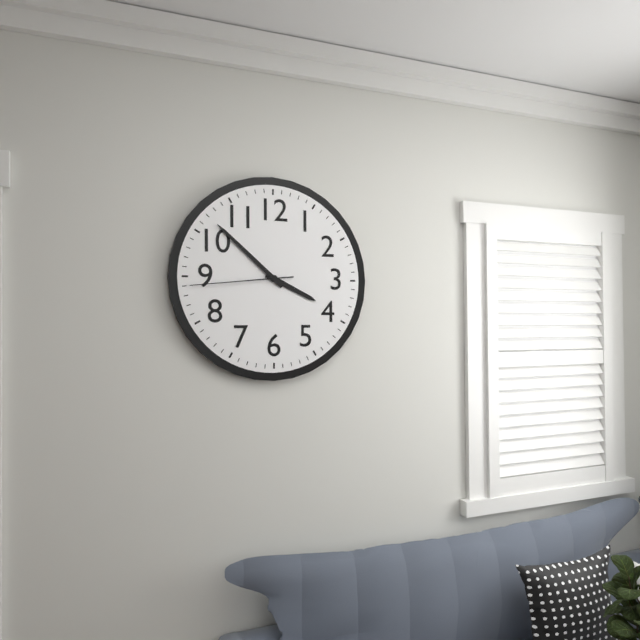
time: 3:52:44
